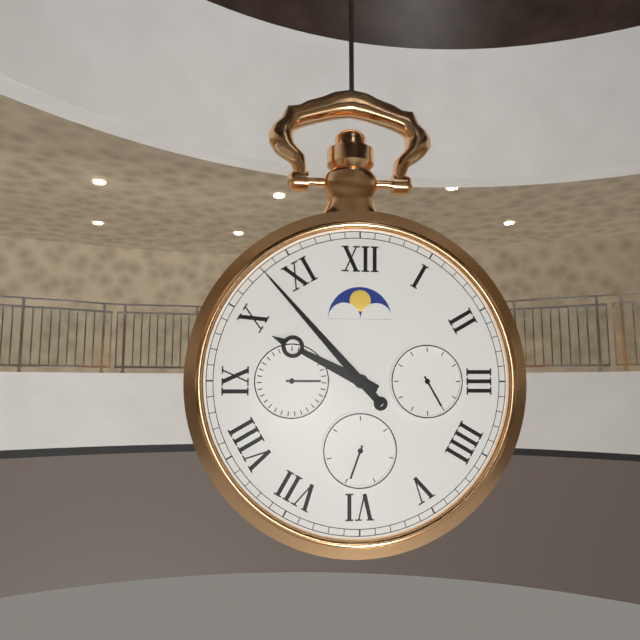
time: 9:53
